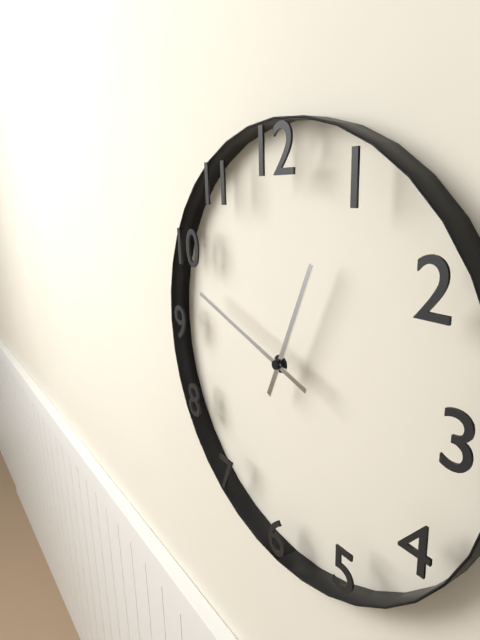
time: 12:48
